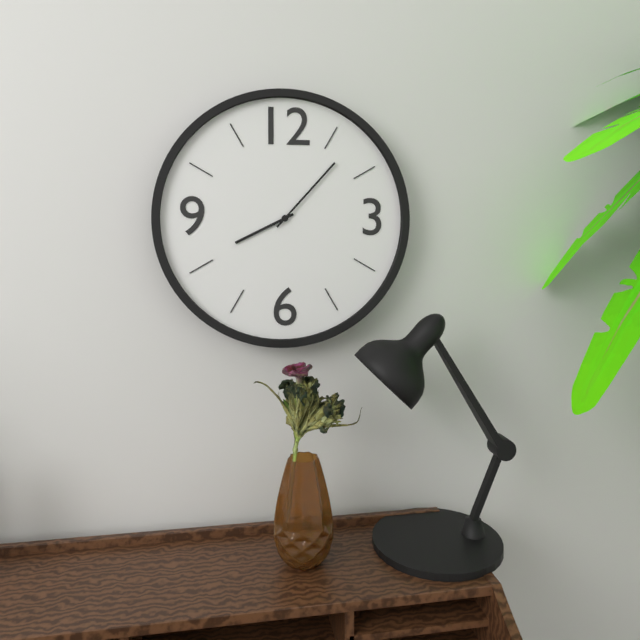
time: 8:07
